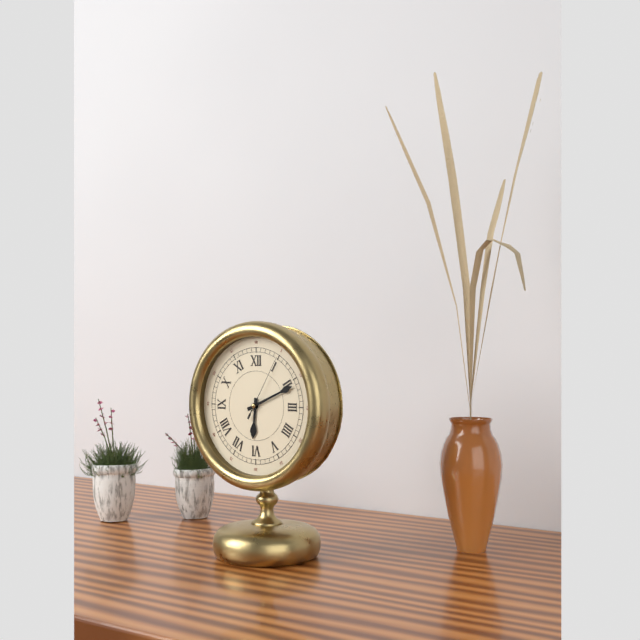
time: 6:11:05
